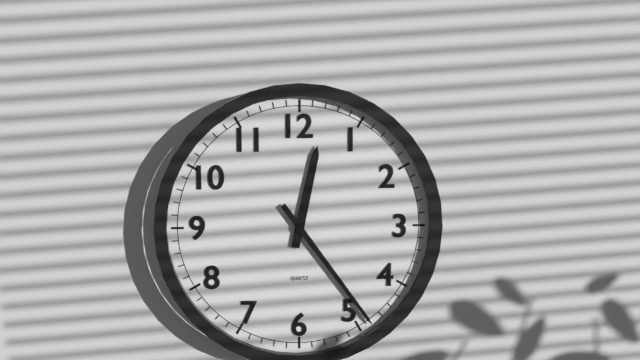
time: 12:24
